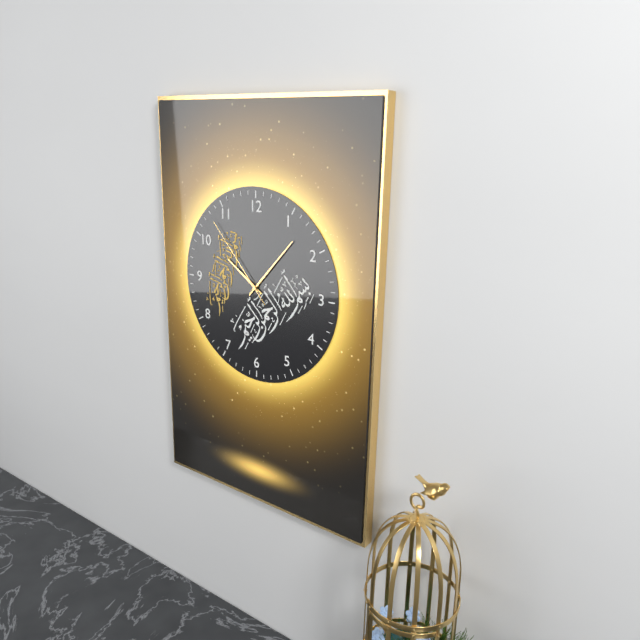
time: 10:07:53
